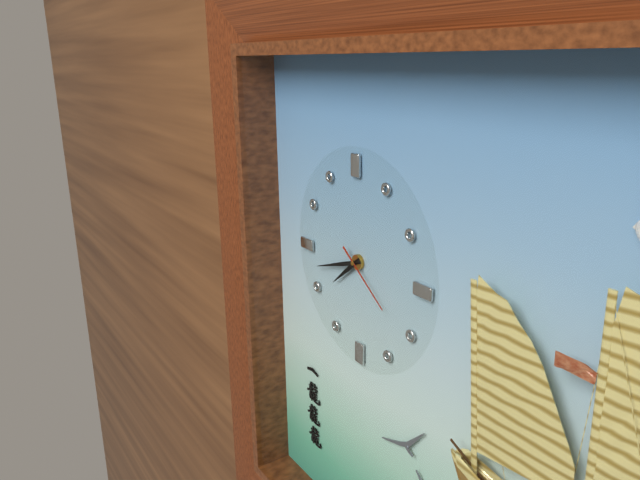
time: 7:42:21
